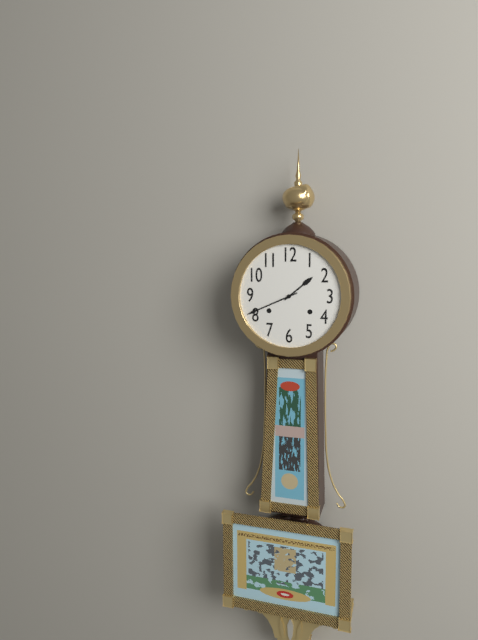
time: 1:41
